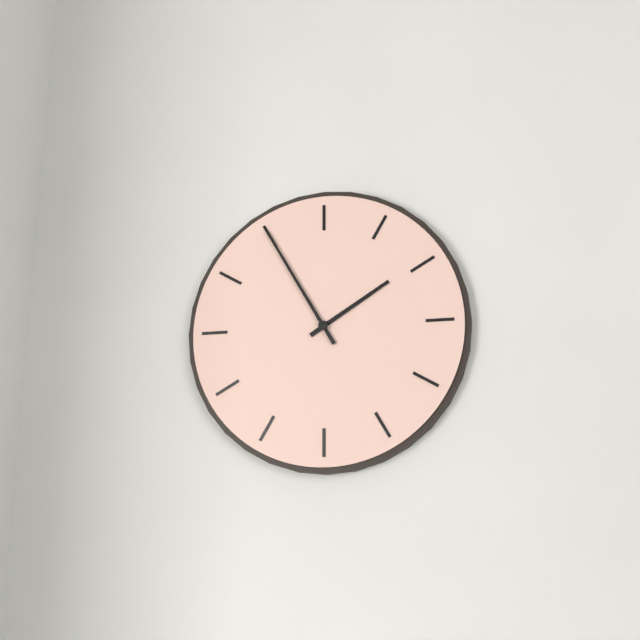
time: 1:55
